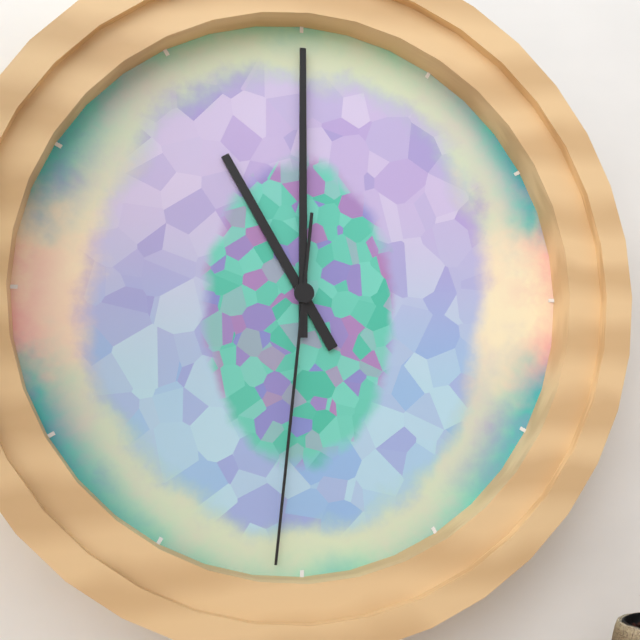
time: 11:00:31
